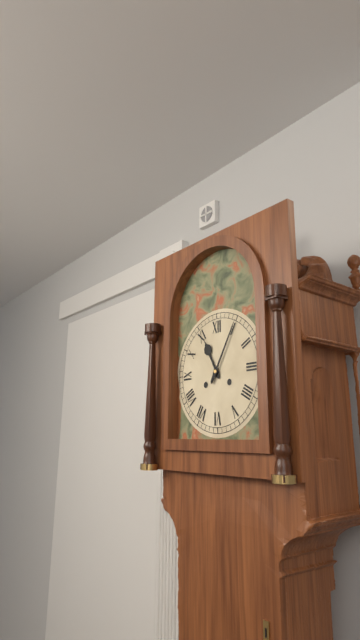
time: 11:05
